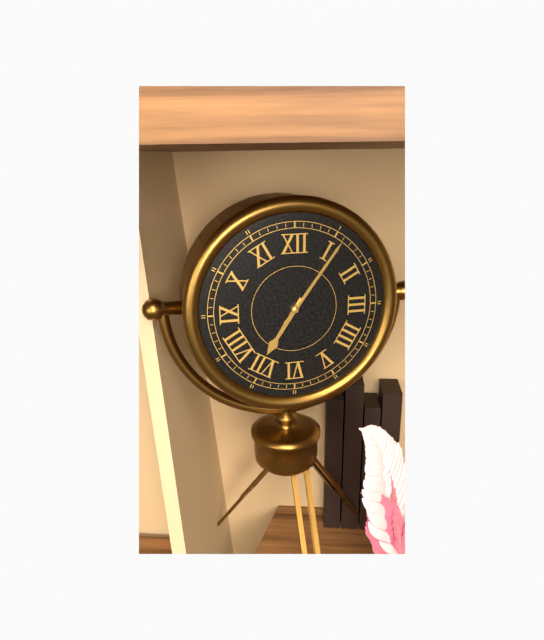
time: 7:06
